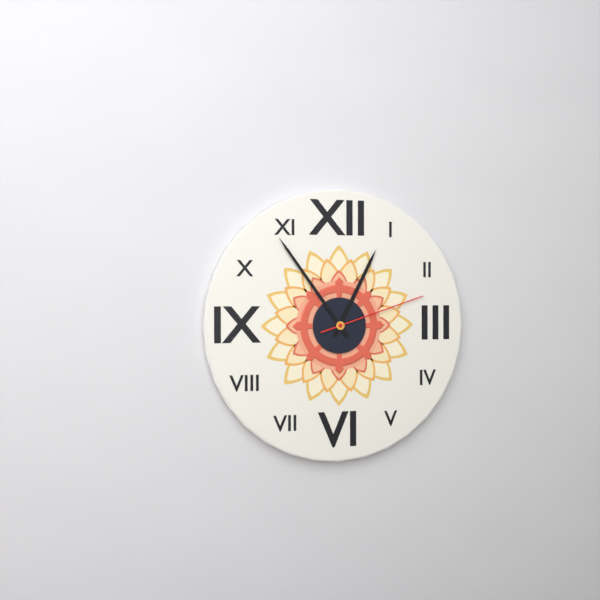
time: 12:54:12
